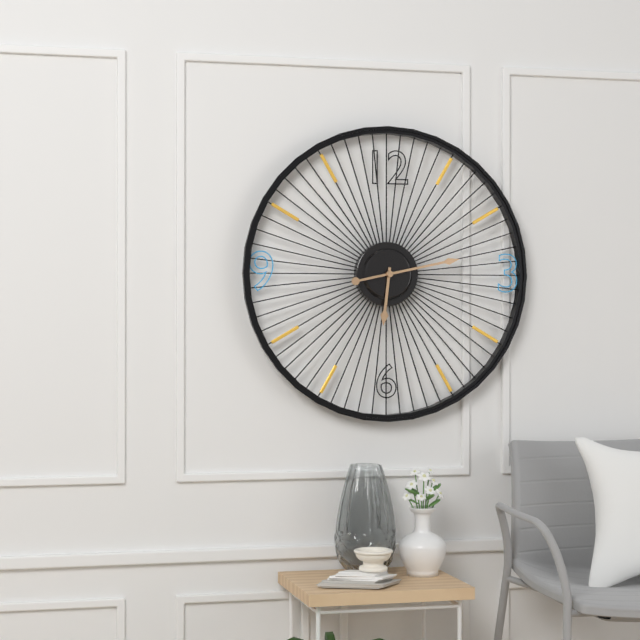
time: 6:13
